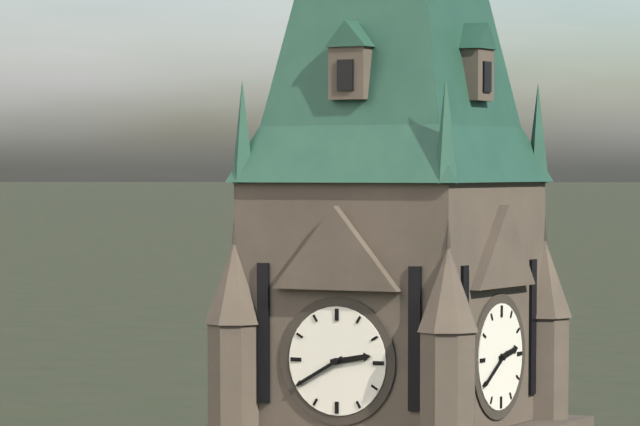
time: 2:40
